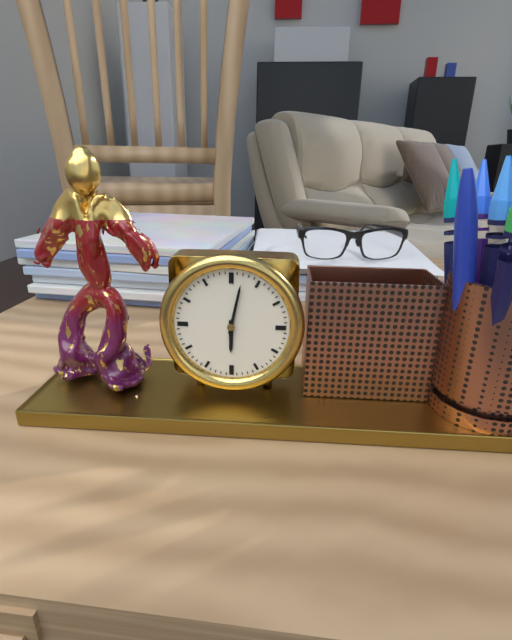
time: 6:02
